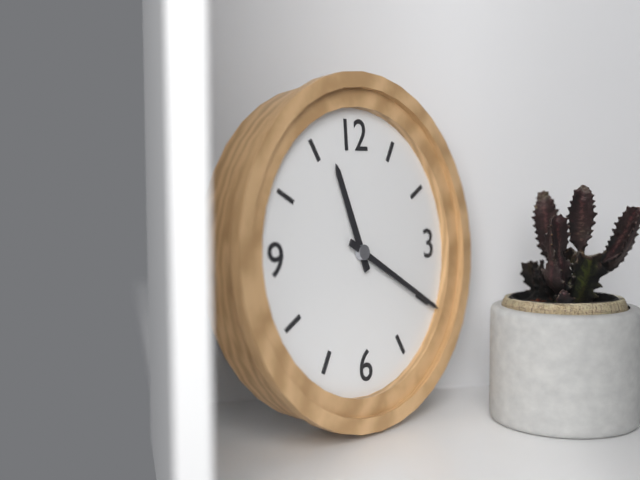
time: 11:20
